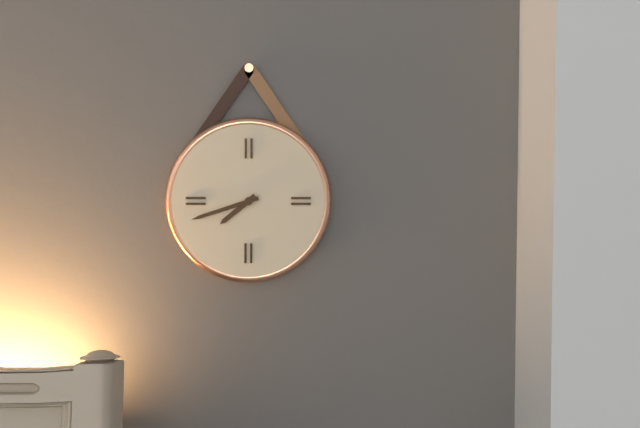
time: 7:42
